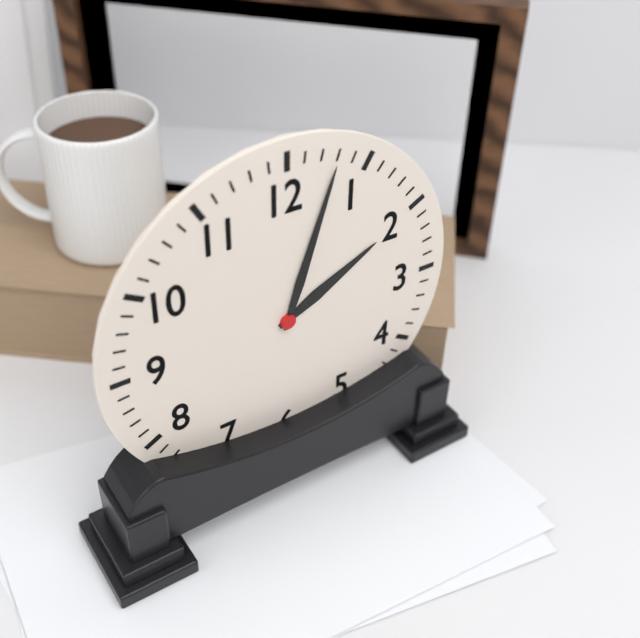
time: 2:03
